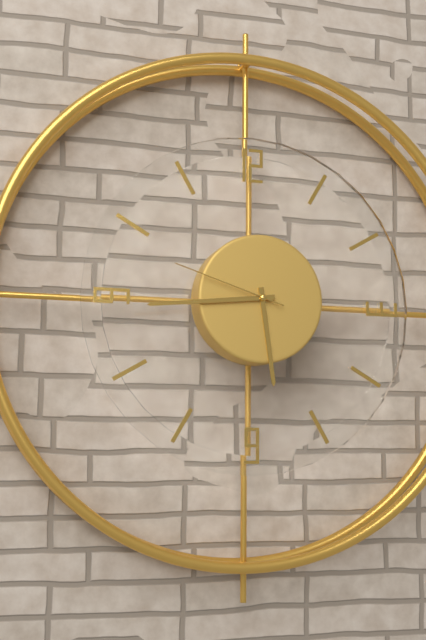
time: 5:44:48
